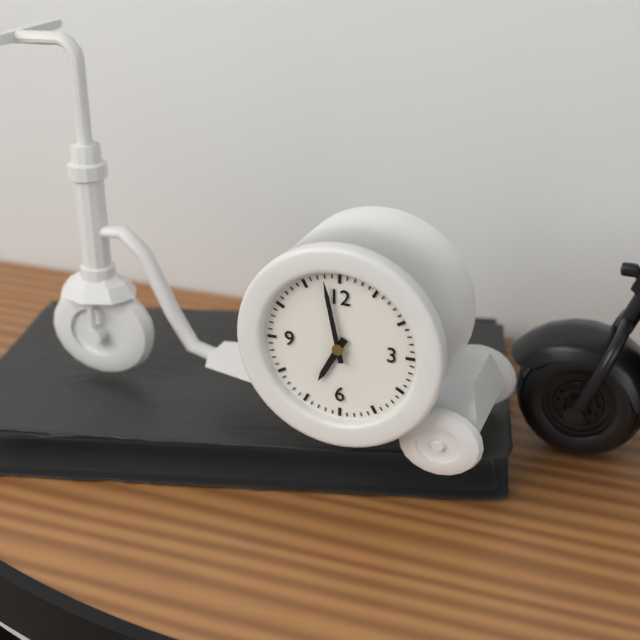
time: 6:58
